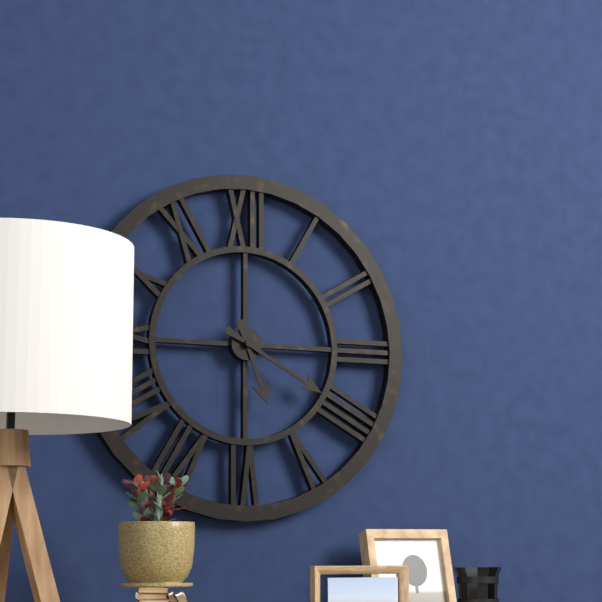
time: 5:20
